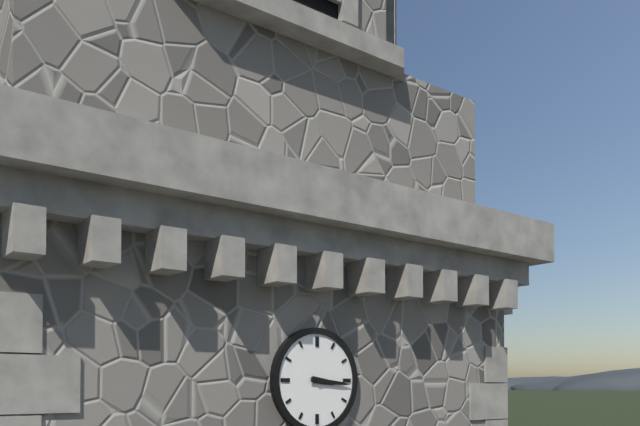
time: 3:16
